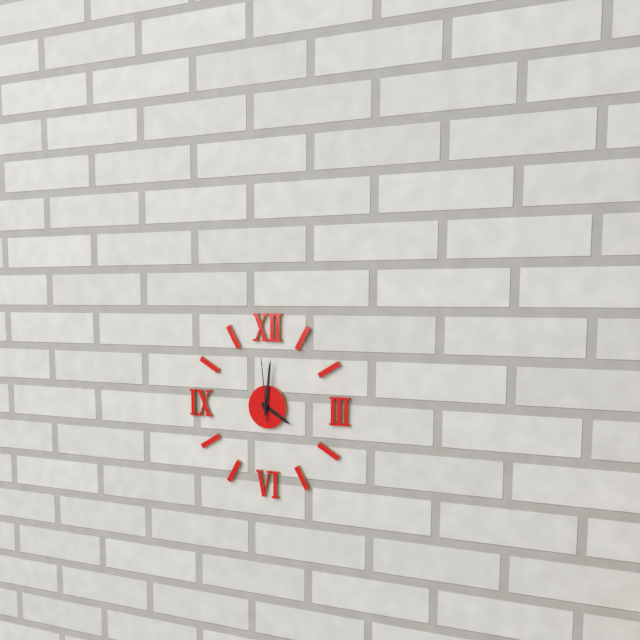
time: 4:01:59
